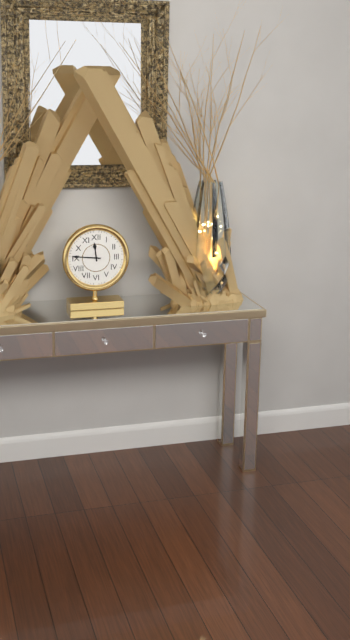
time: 11:46
